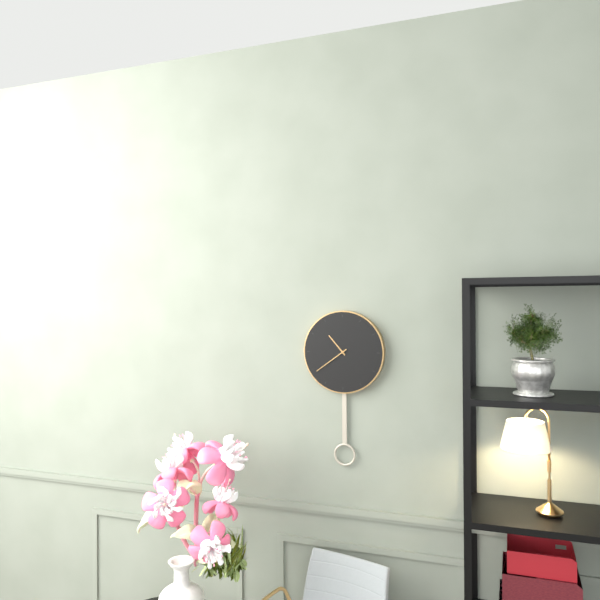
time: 10:39
